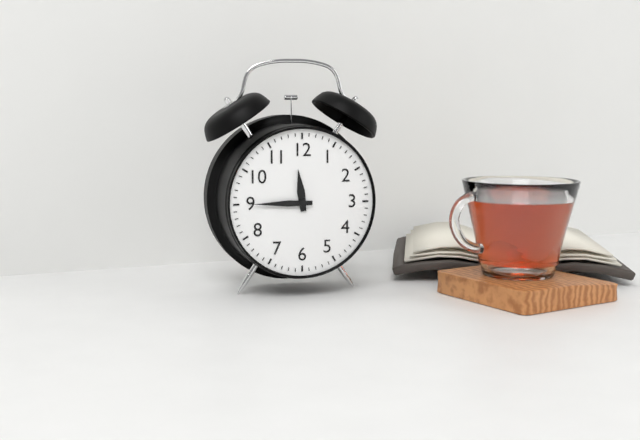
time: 11:45
